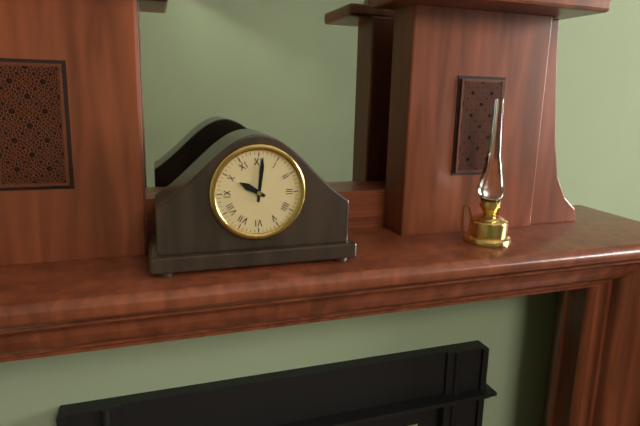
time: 10:01
